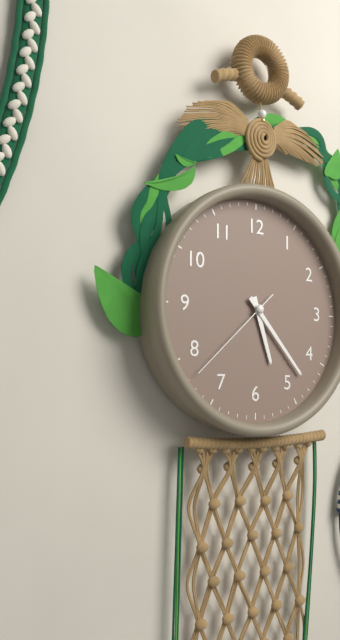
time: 5:23:38
